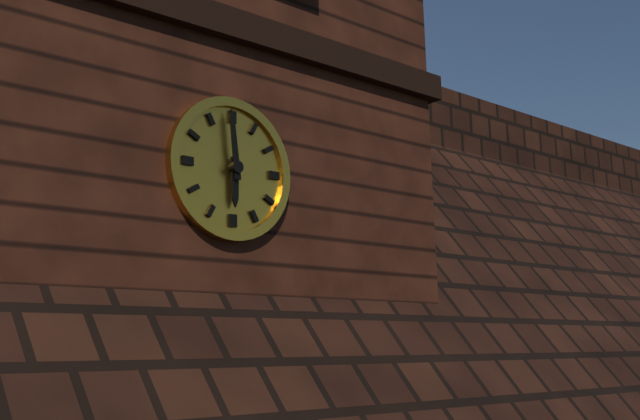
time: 5:59
